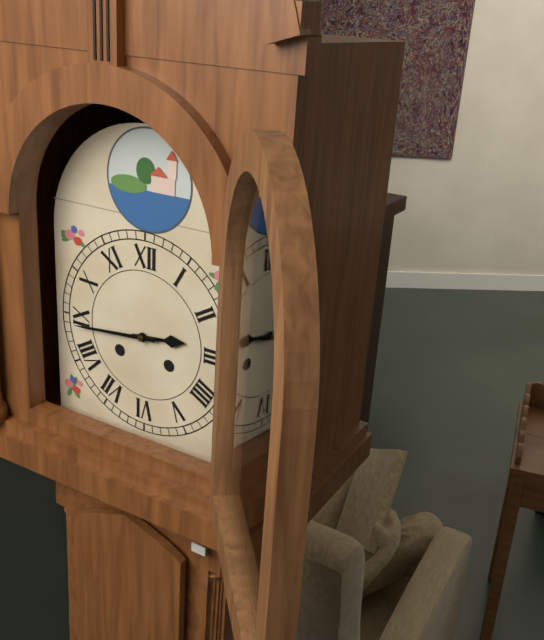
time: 2:44
